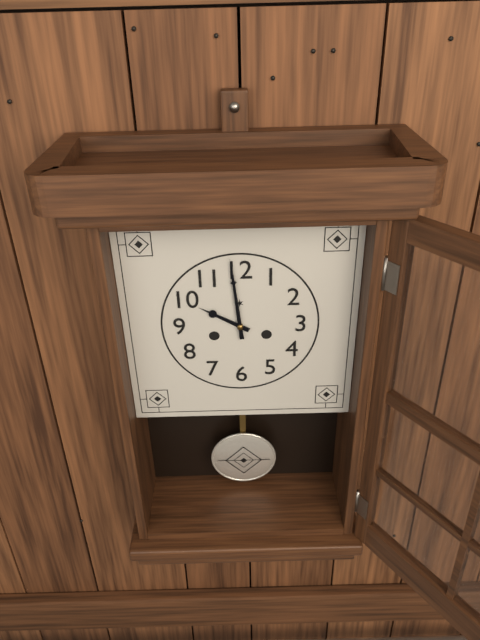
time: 9:59
